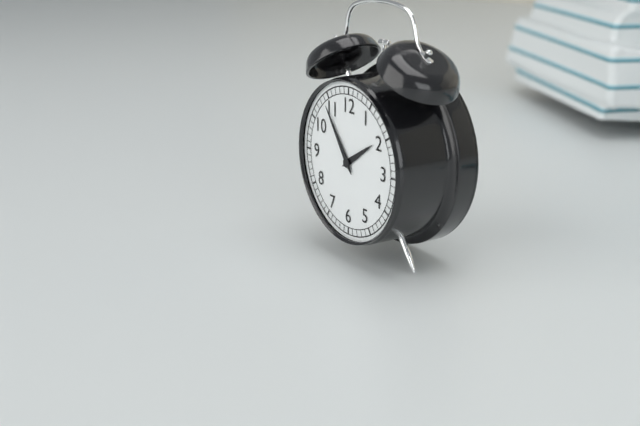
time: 1:54
